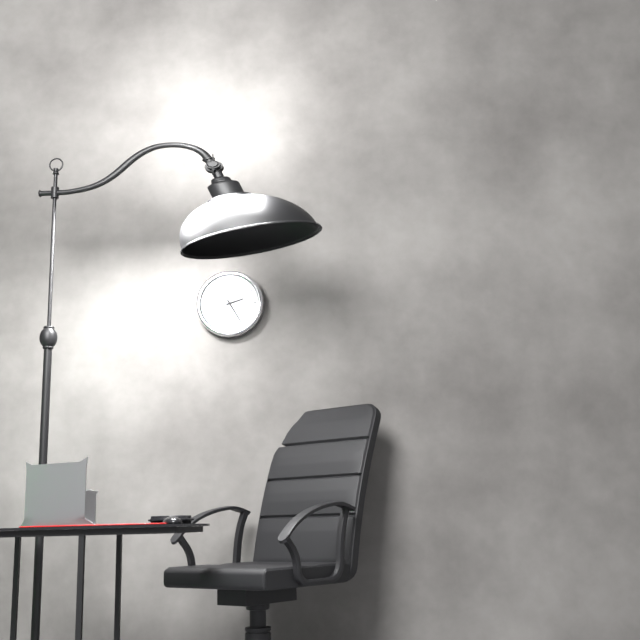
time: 2:25
